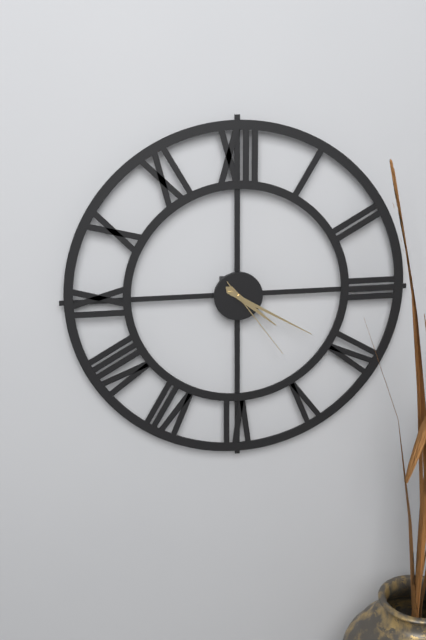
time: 4:20:24
